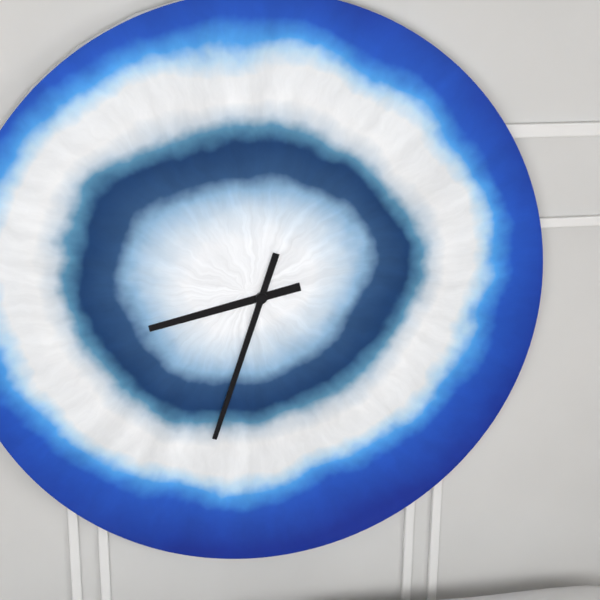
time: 8:33
